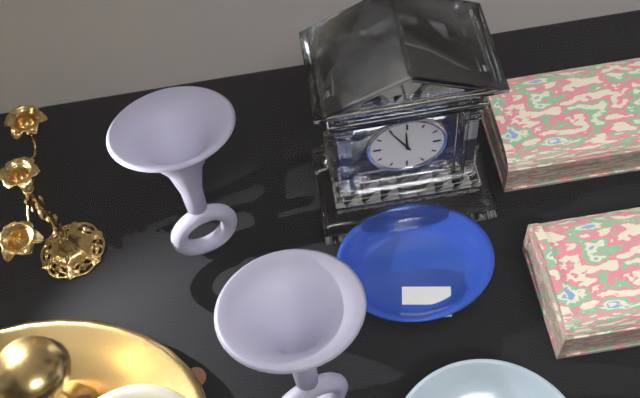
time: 11:55
